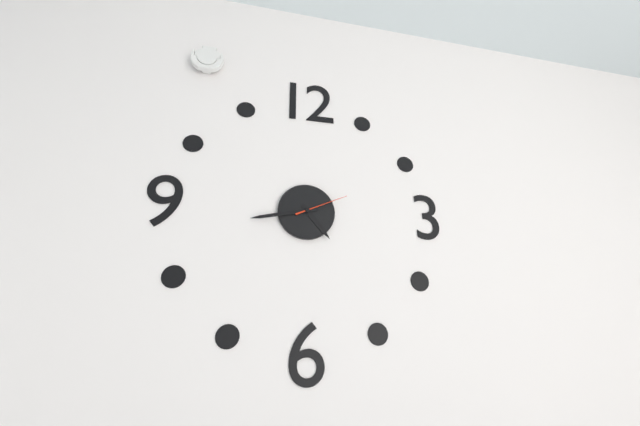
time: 4:43:11
